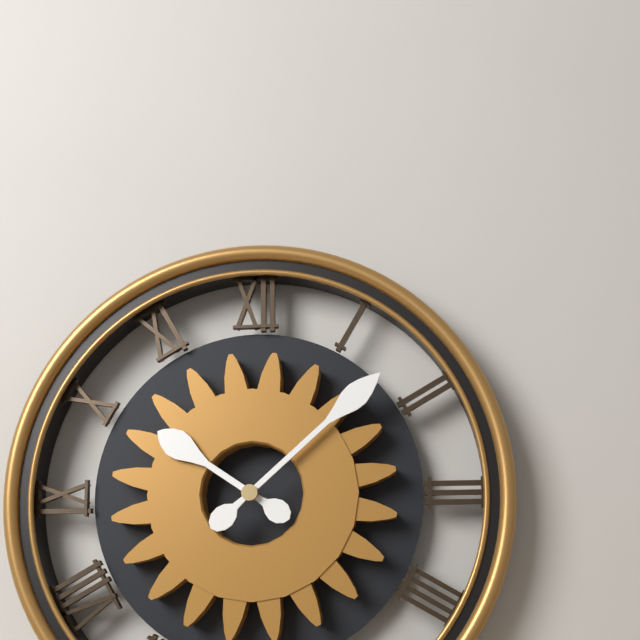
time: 10:08
